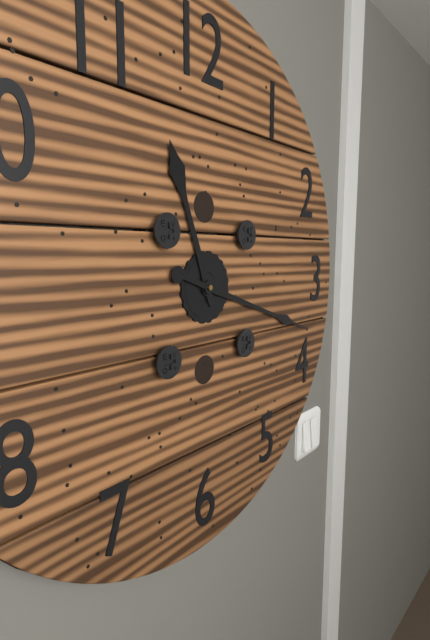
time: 11:18
